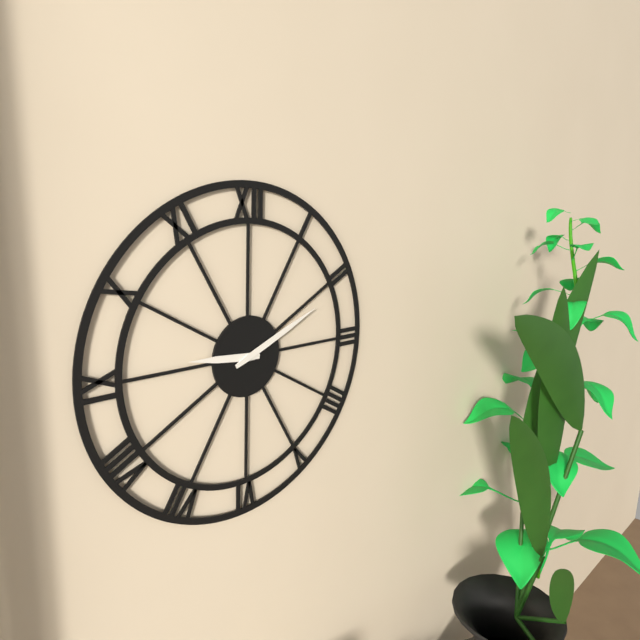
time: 9:11
